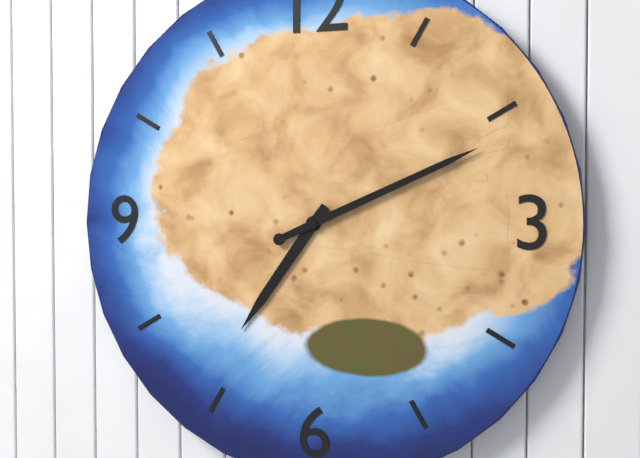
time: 7:11
